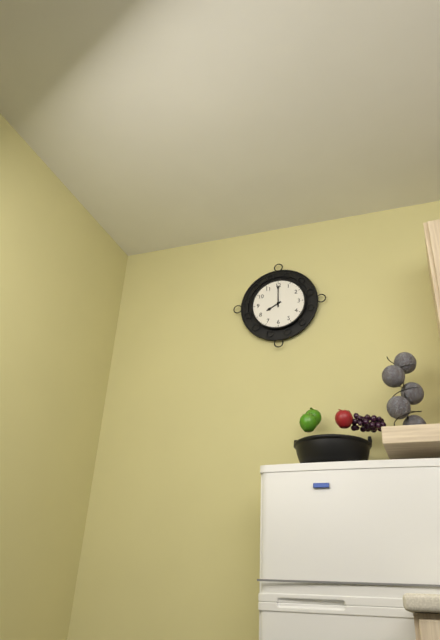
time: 8:00
